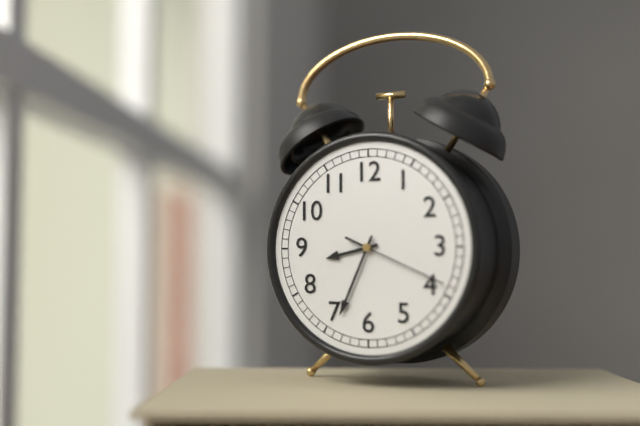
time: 8:34:19
